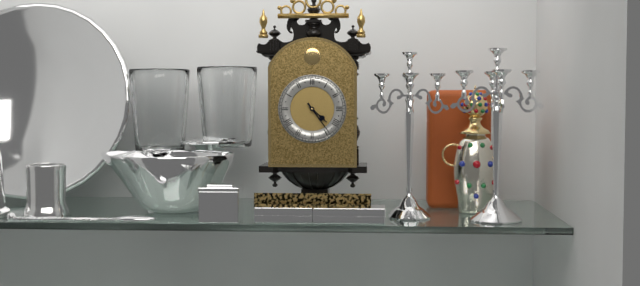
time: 4:24
